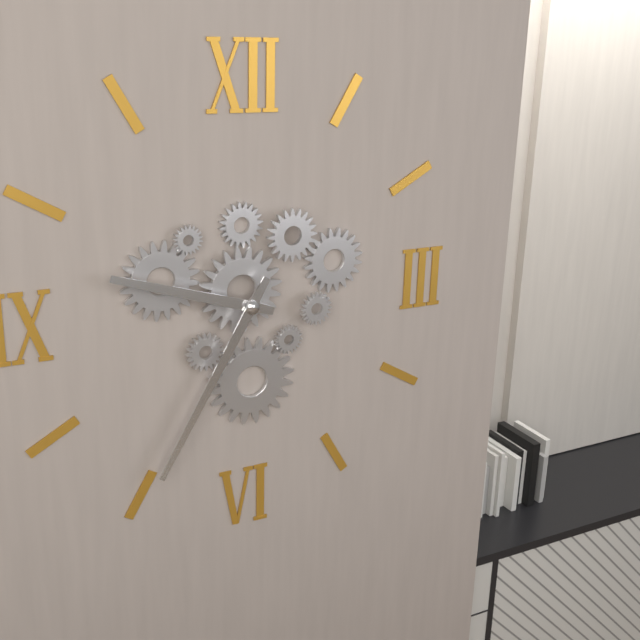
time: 9:35
